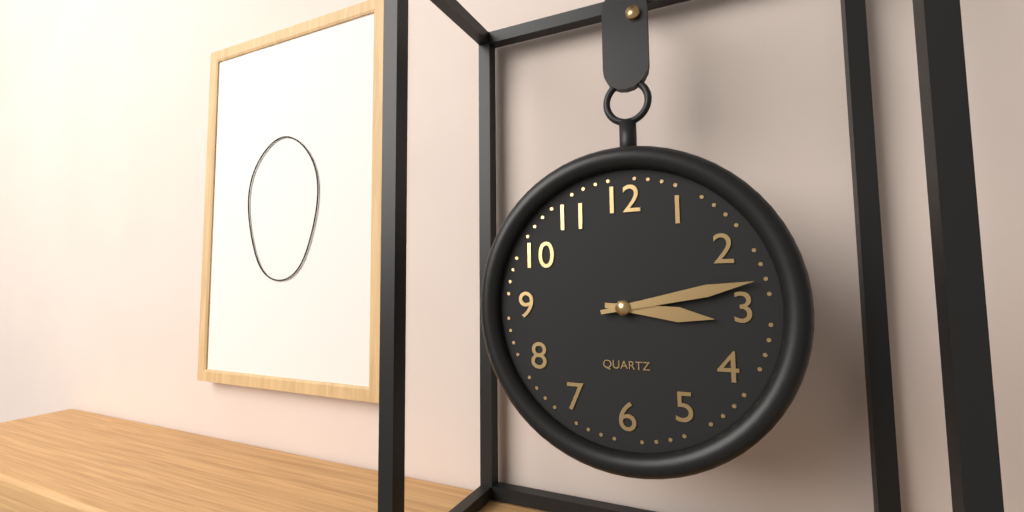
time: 3:13
